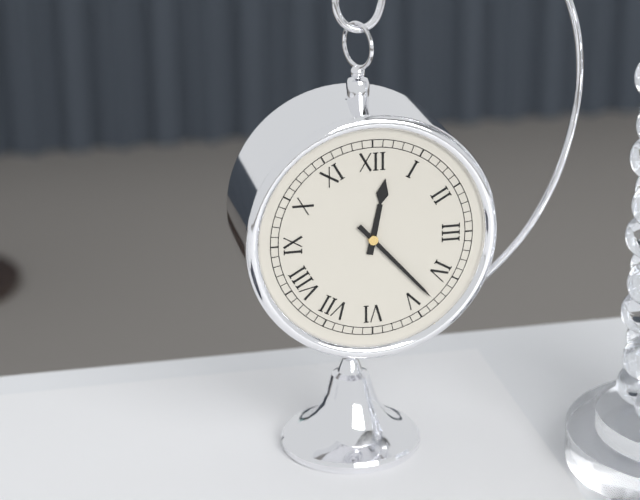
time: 12:23
